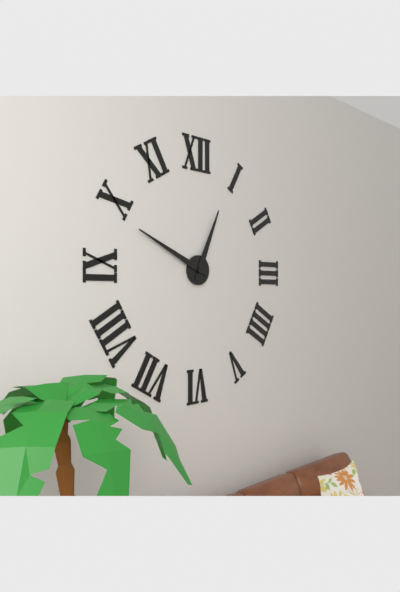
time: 12:49
